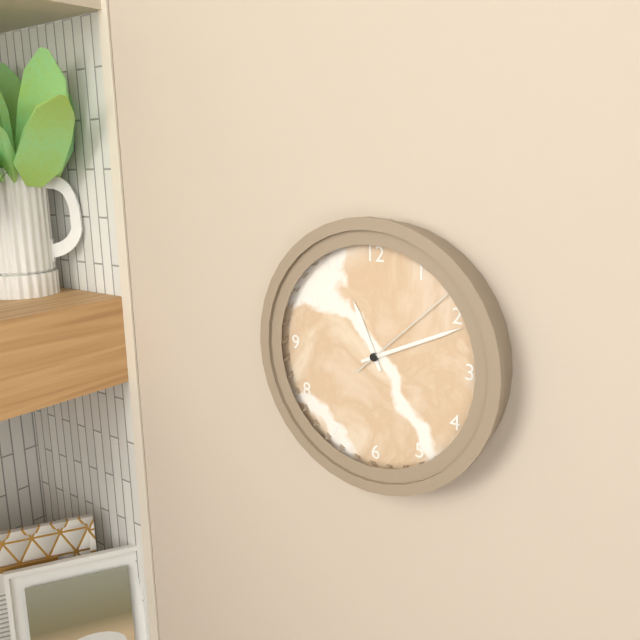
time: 11:11:08
